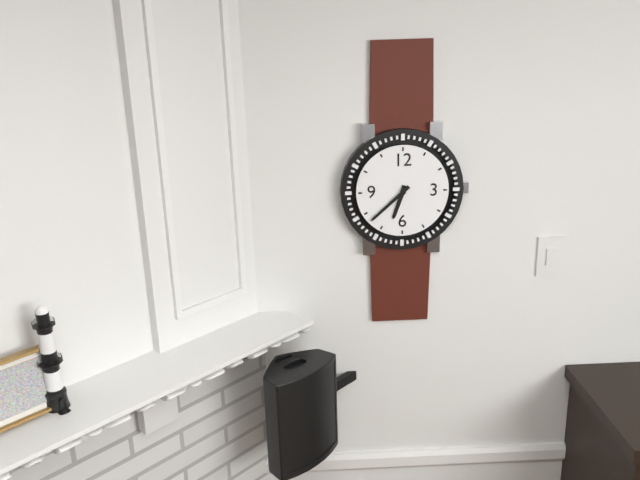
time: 6:38
